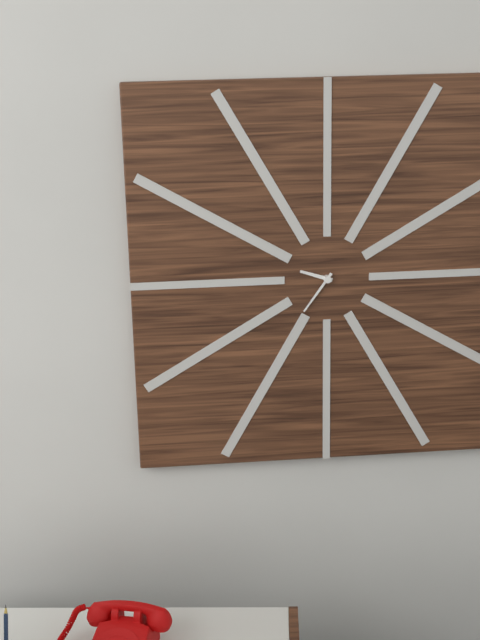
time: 9:36
